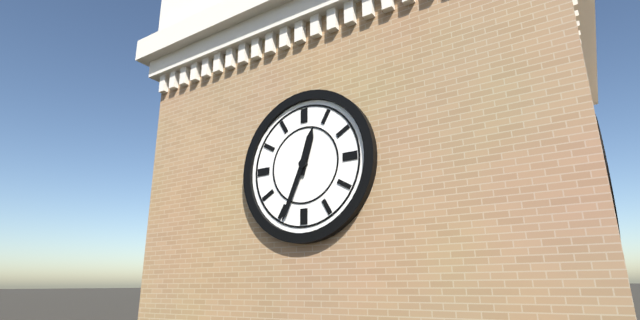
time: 12:34
